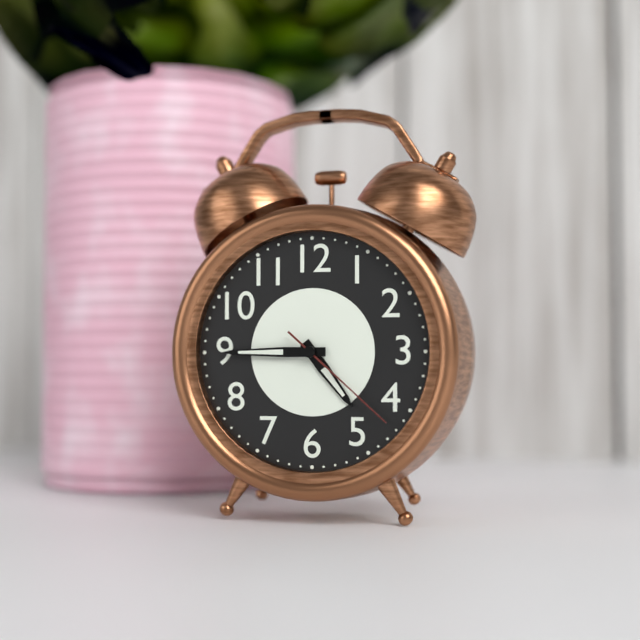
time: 4:45:22
